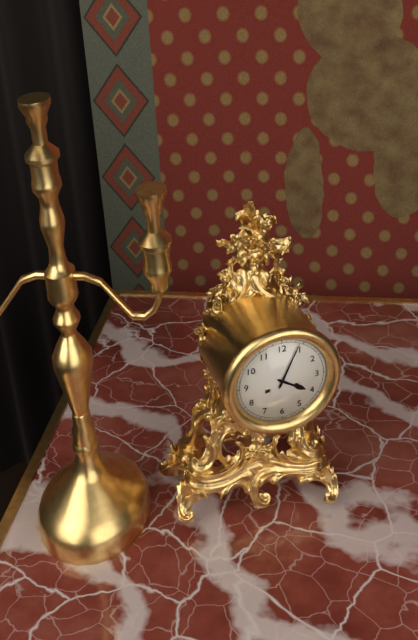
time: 4:04
